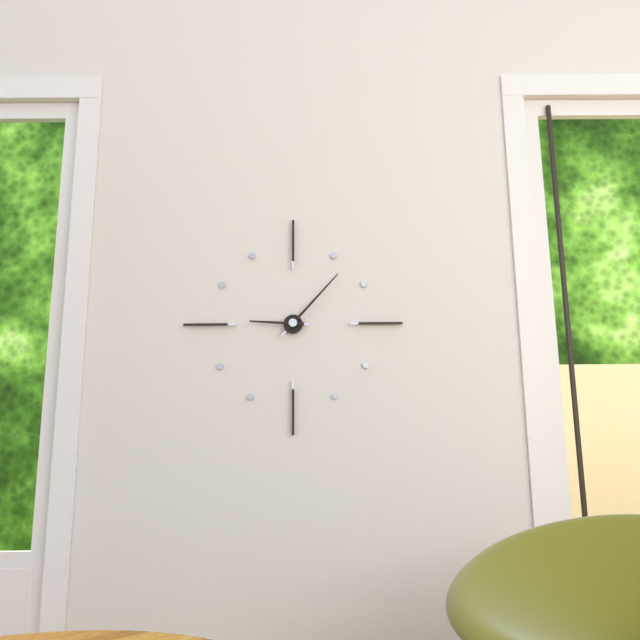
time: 9:07
